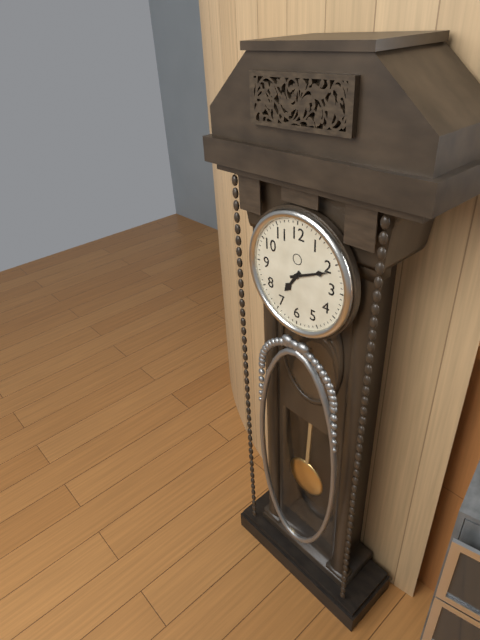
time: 7:11
